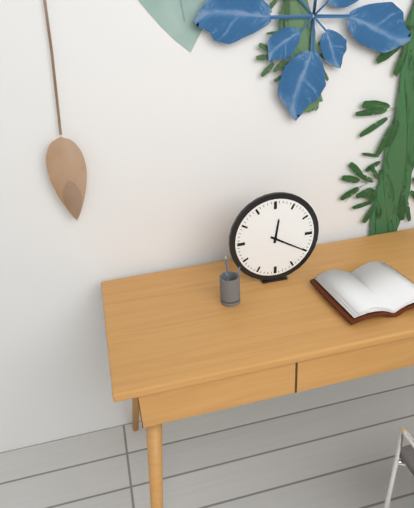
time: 12:20
